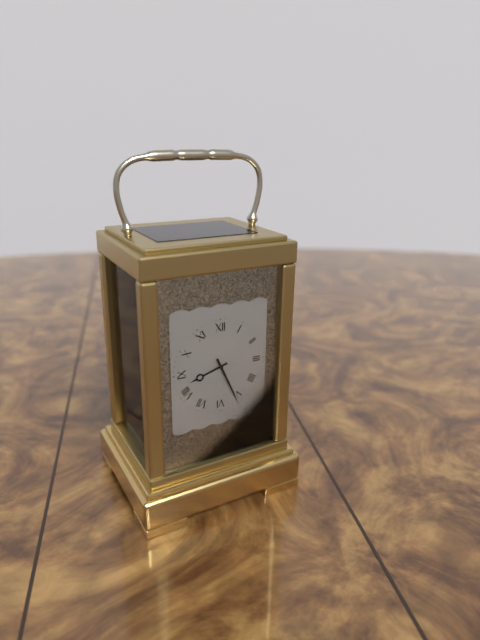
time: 8:26
